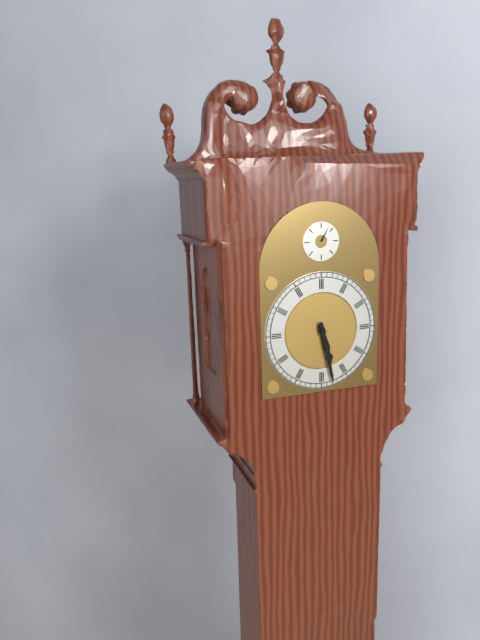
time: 5:28
